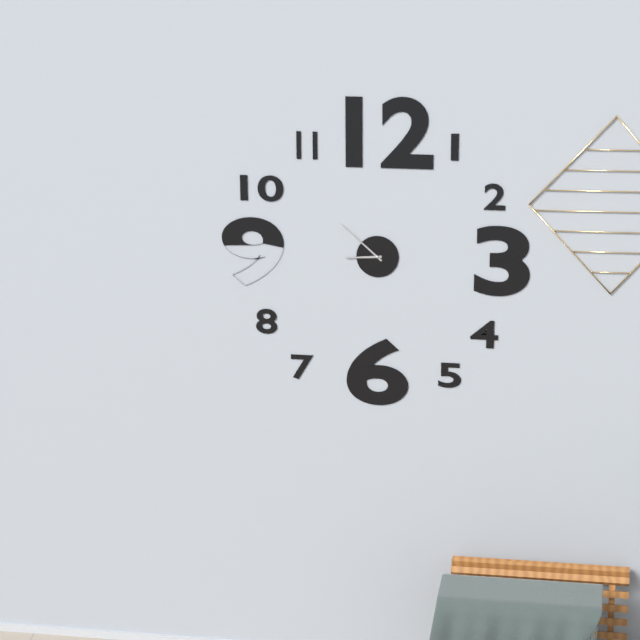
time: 8:52
